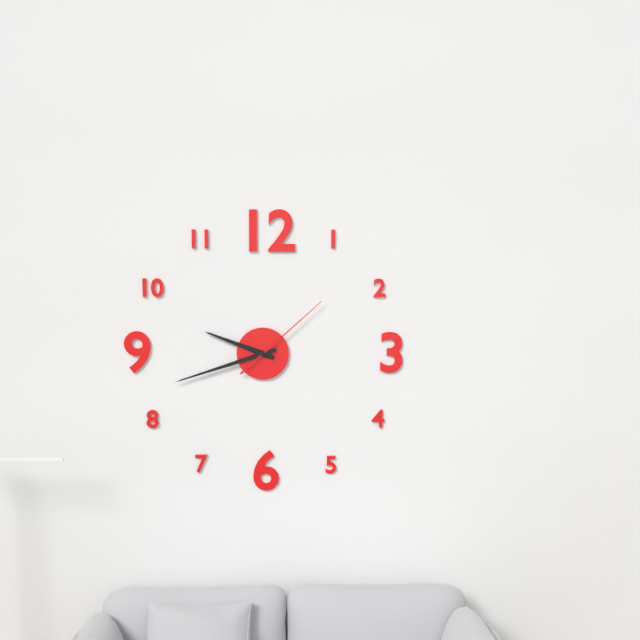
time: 9:42:08
